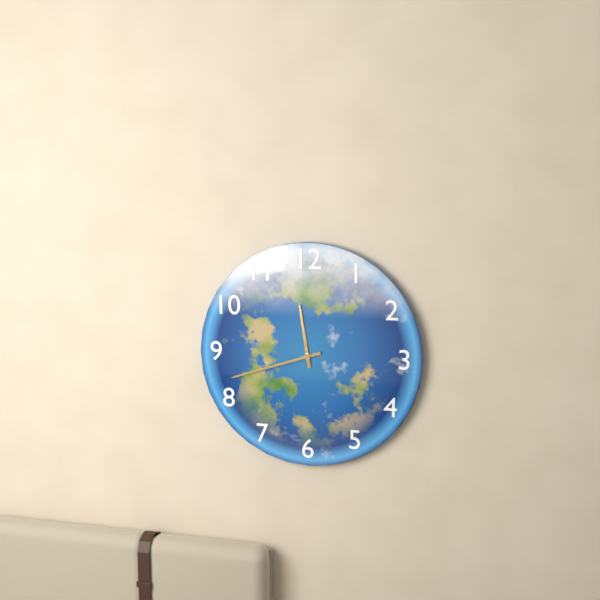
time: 11:42
